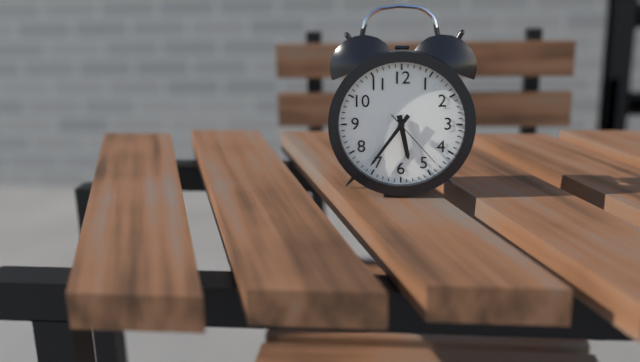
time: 5:36:23
